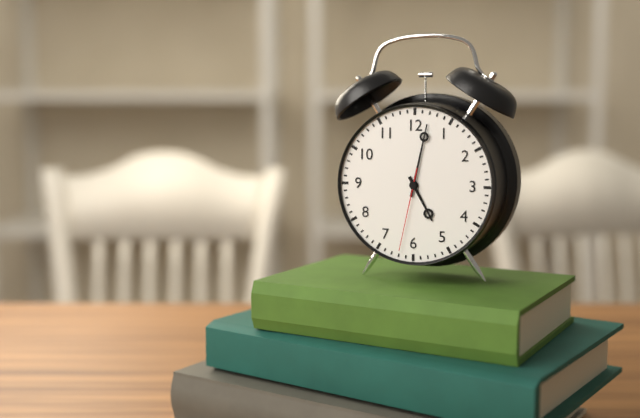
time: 5:02:32
